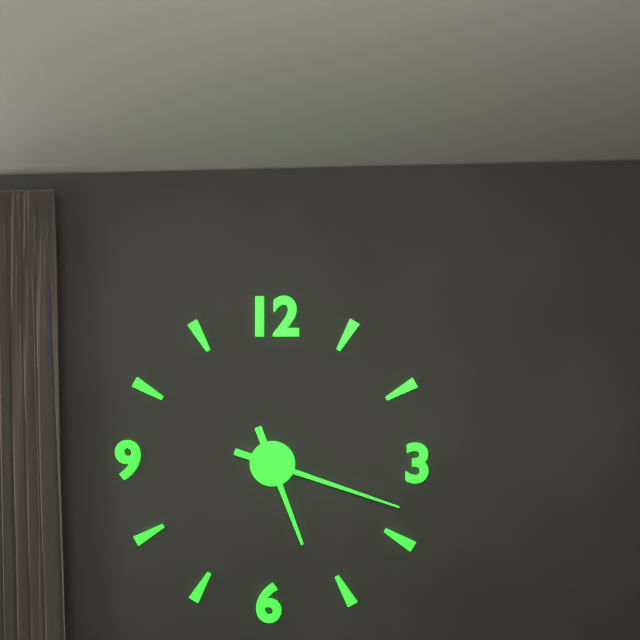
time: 5:18
